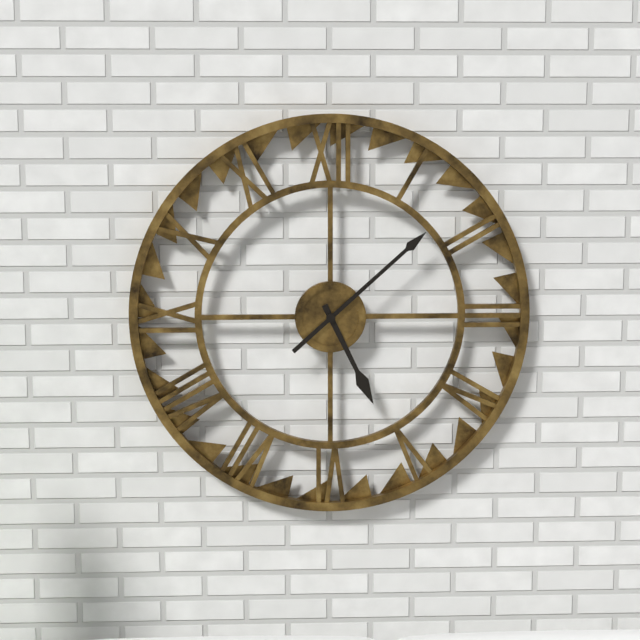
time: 5:08
